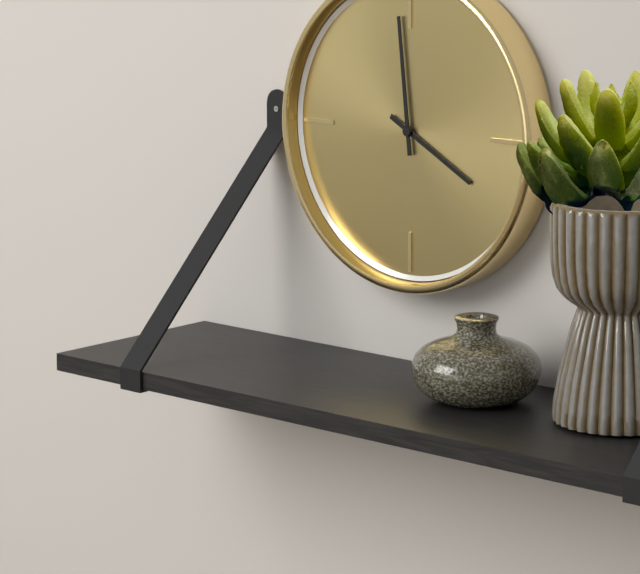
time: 3:59
